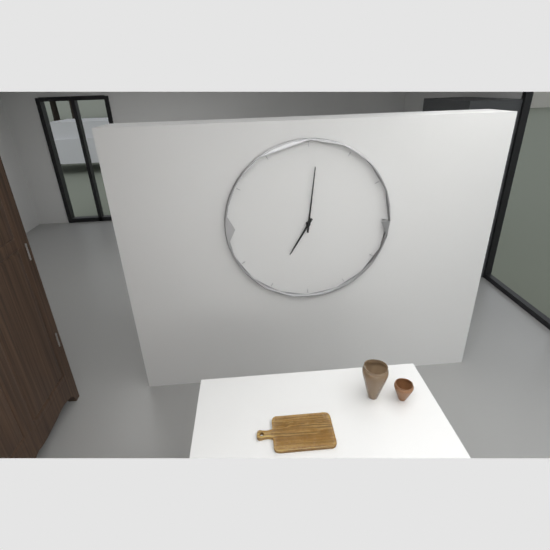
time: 7:01
